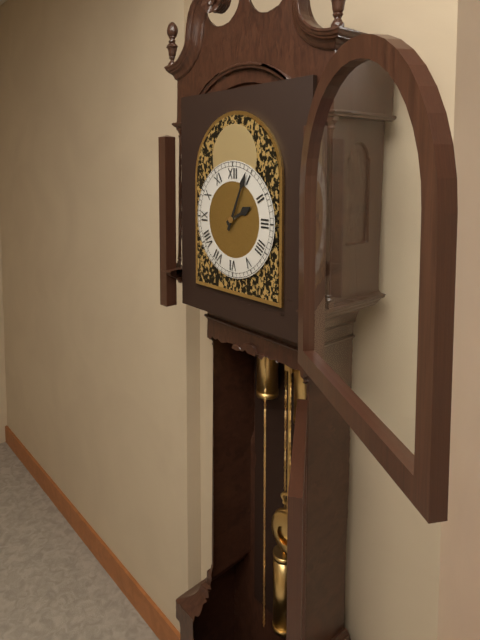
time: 2:04
